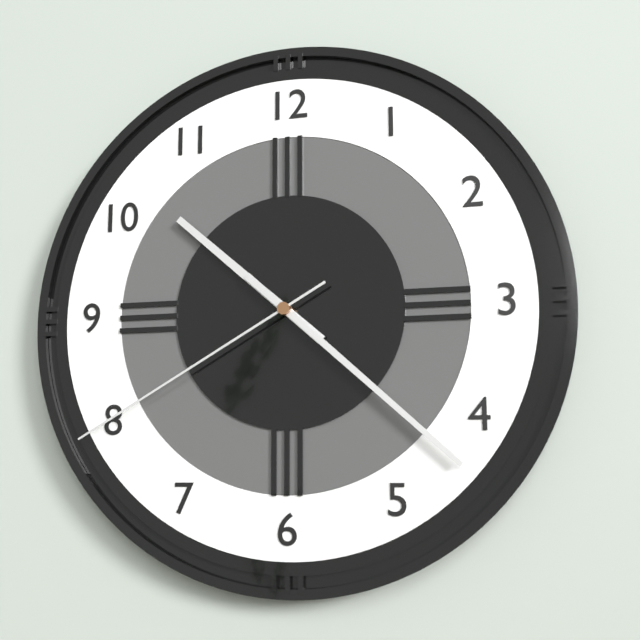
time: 10:22:40
